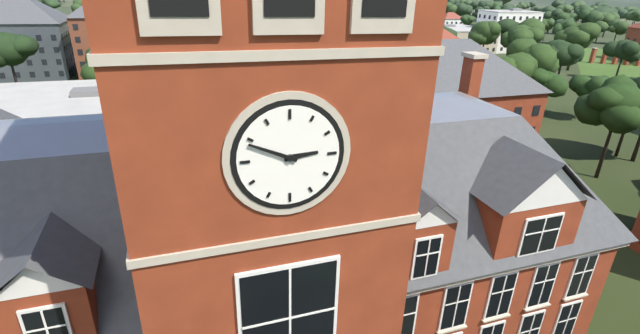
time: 2:49
